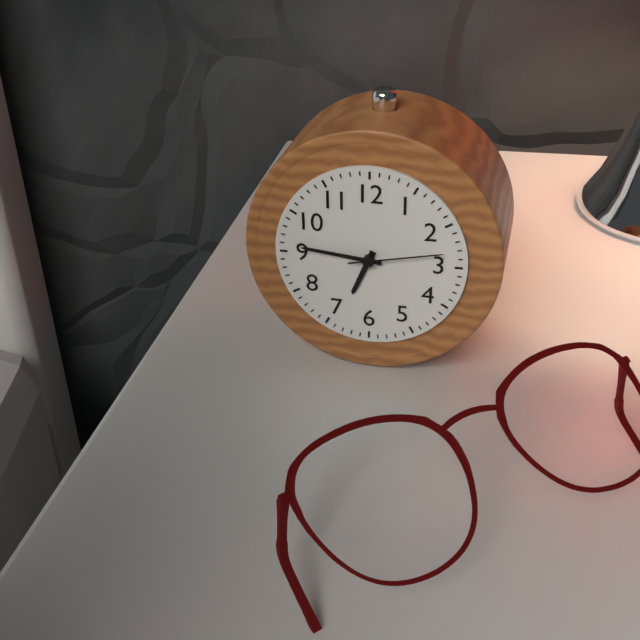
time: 6:46:13
